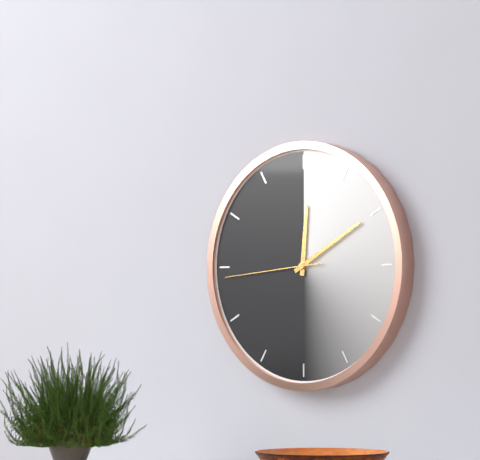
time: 12:10:44
